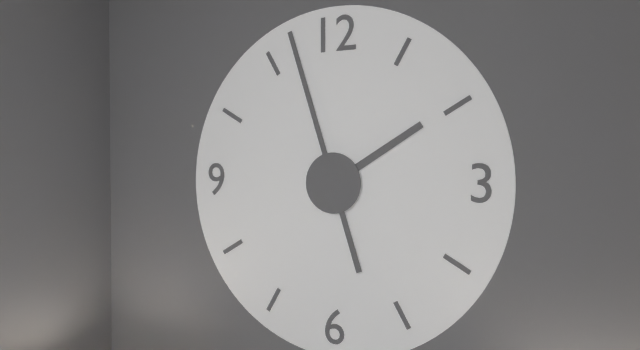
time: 1:57
